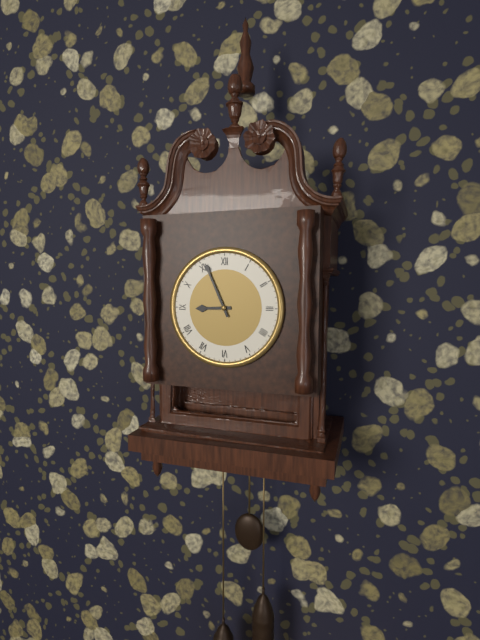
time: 8:56
